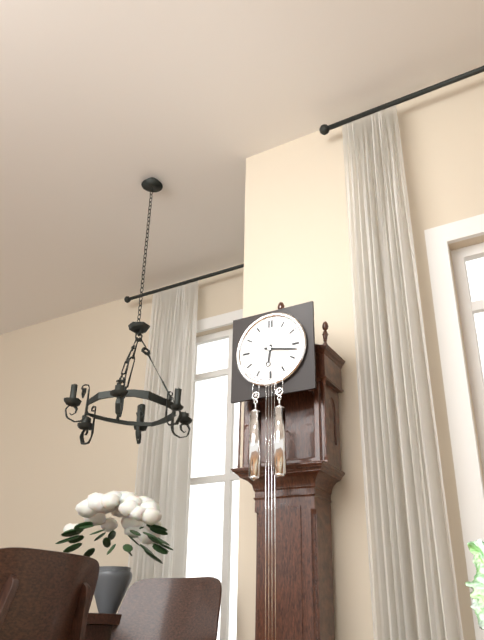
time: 6:17
